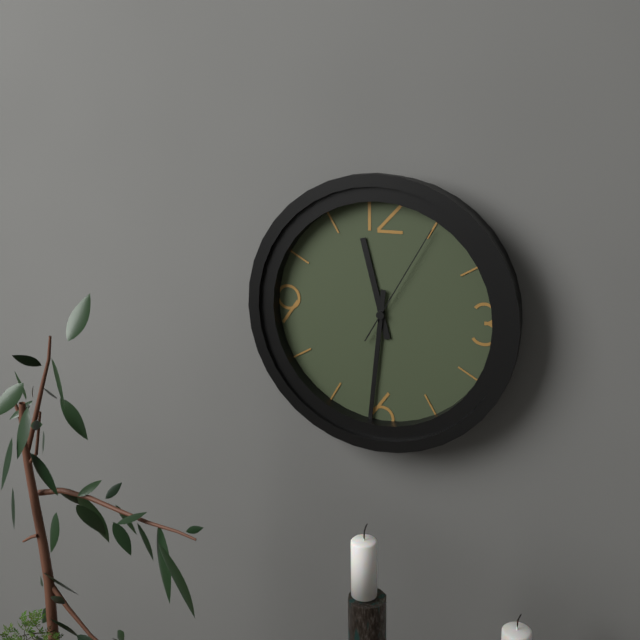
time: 11:31:05
